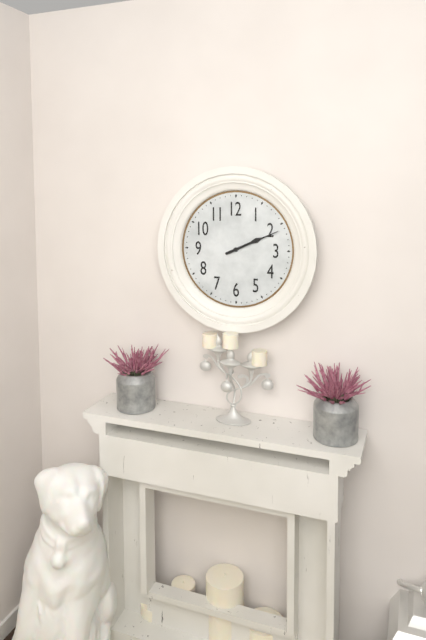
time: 2:11
